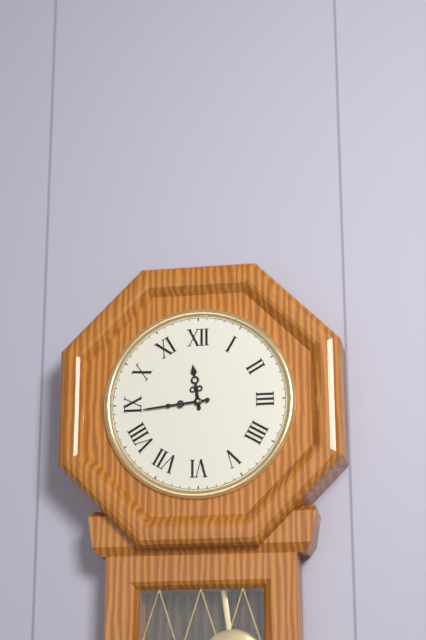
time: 11:44
